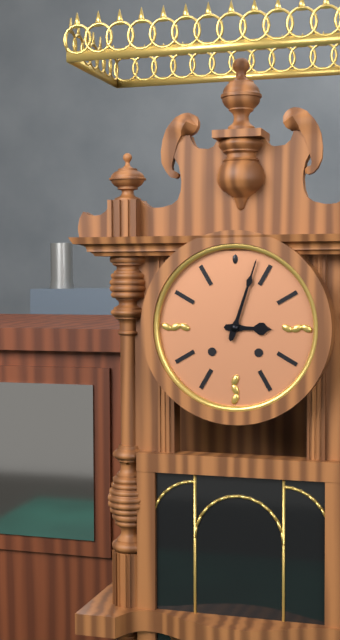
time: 3:03
